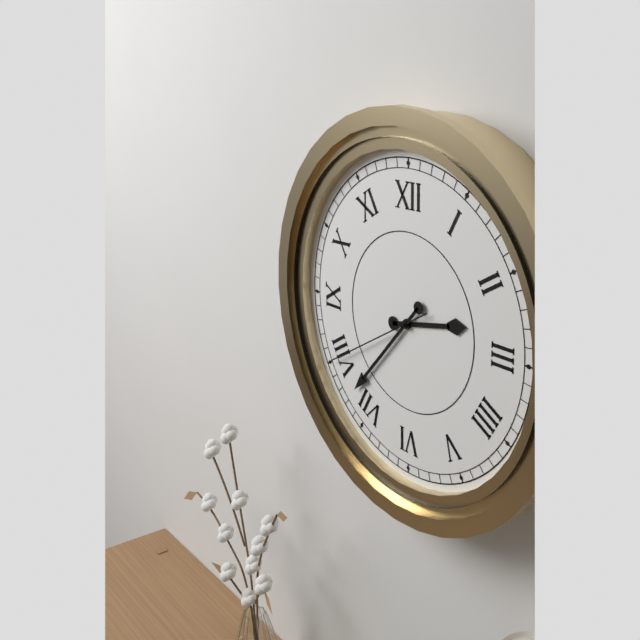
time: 2:37:40
